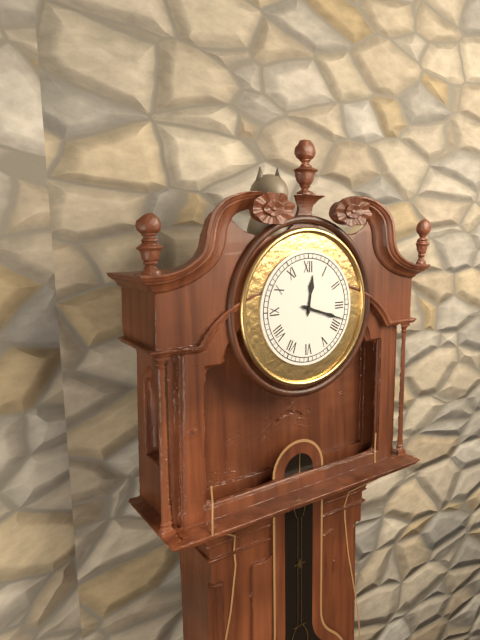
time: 12:18
